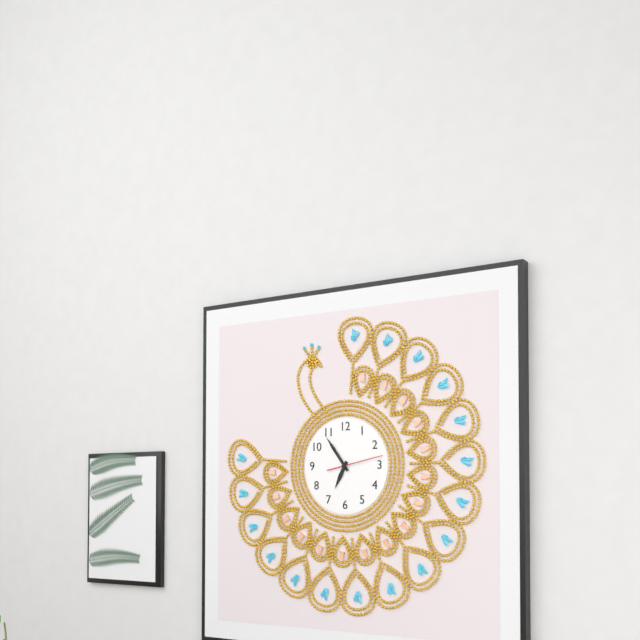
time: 6:54
